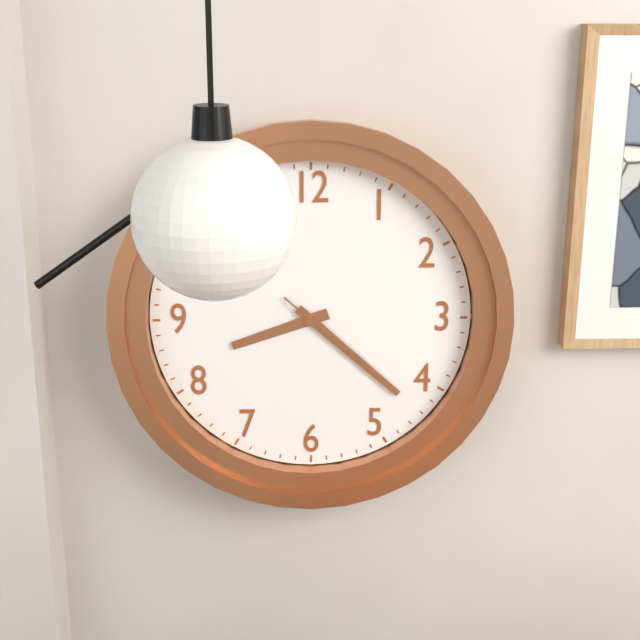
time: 8:22:22
